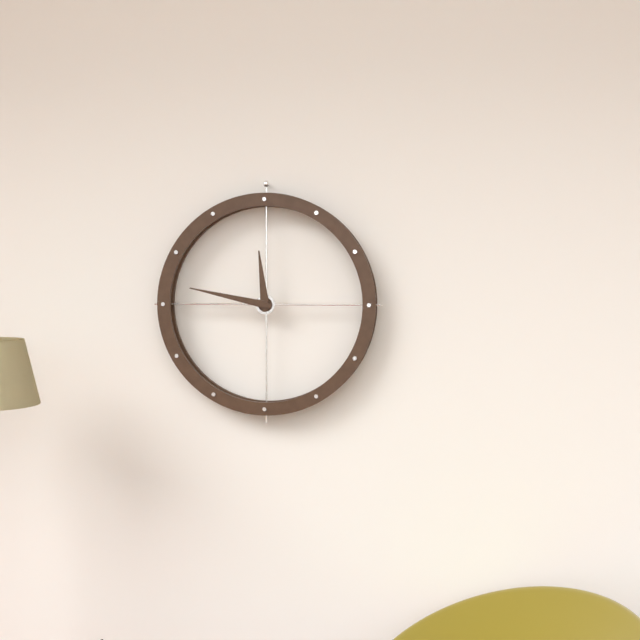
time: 11:47
